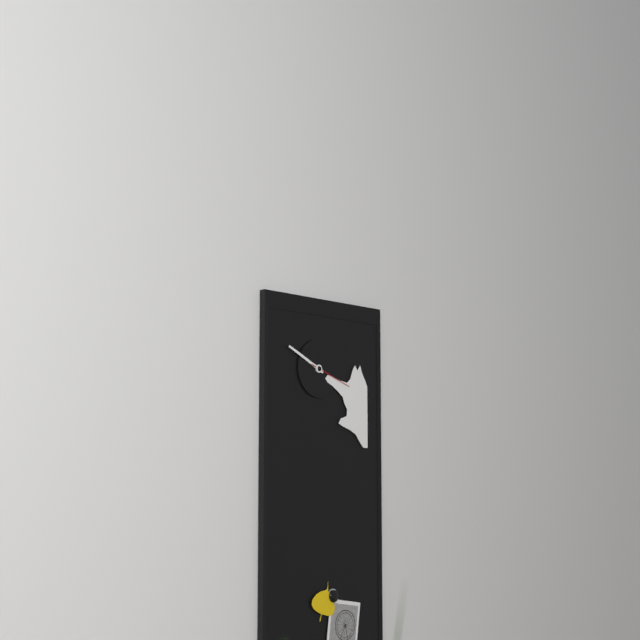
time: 9:49
